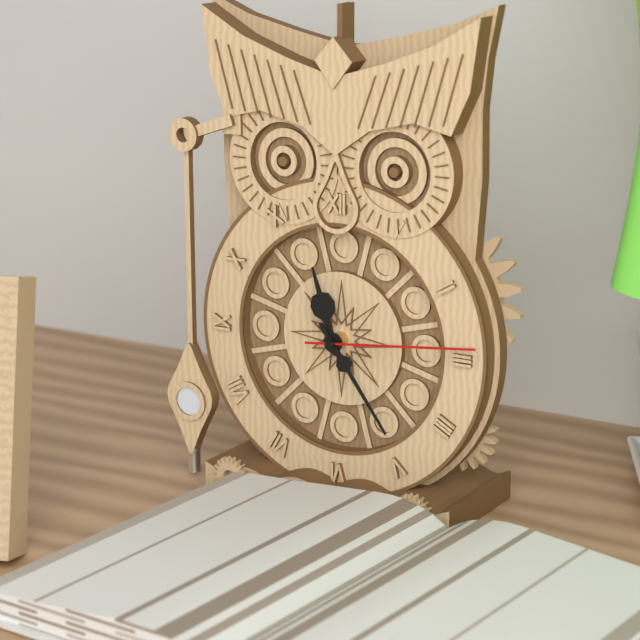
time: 11:24:14
